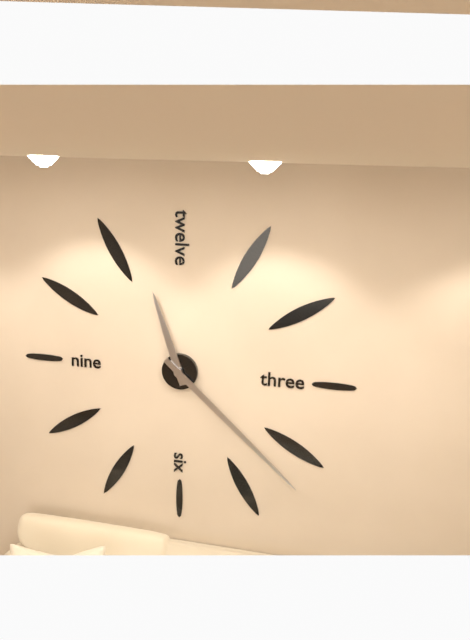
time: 11:22
